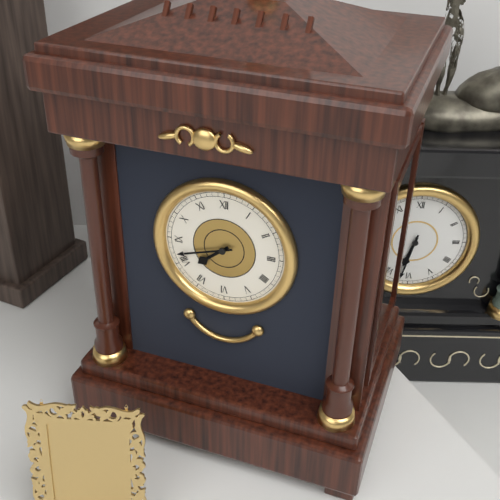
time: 7:42
